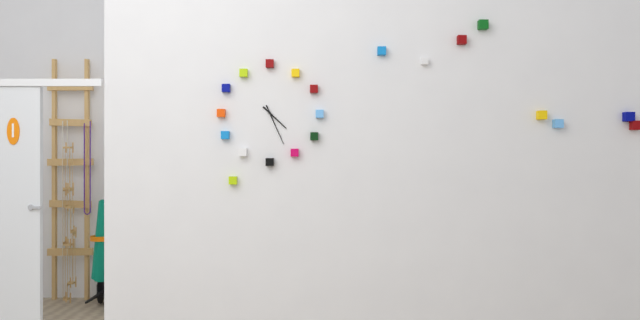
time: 4:26
